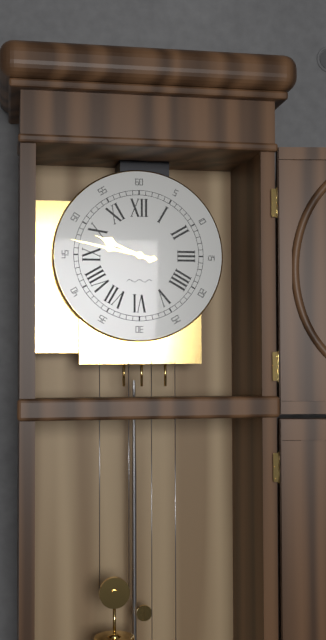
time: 9:47
